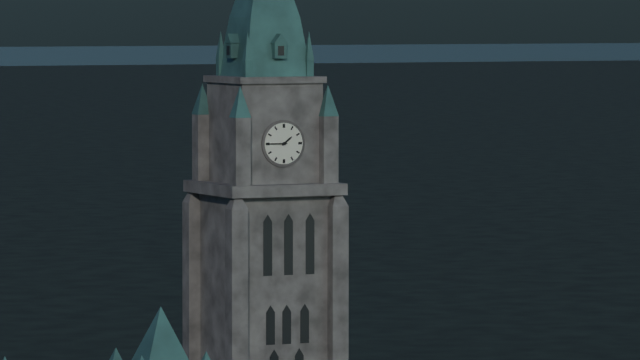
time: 1:45
